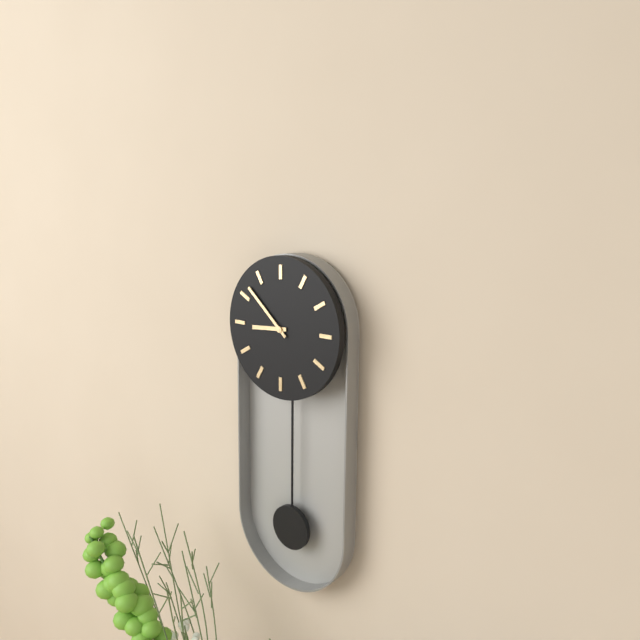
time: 8:52
